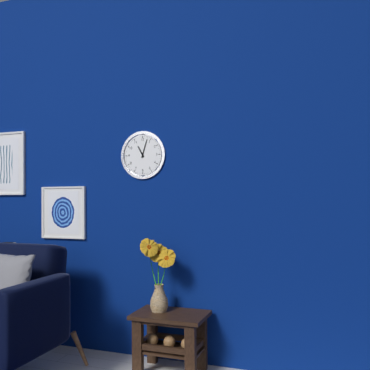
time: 11:03
